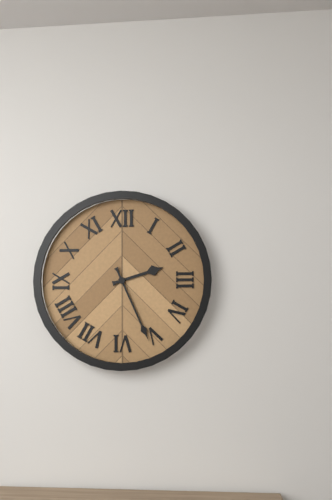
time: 2:26
